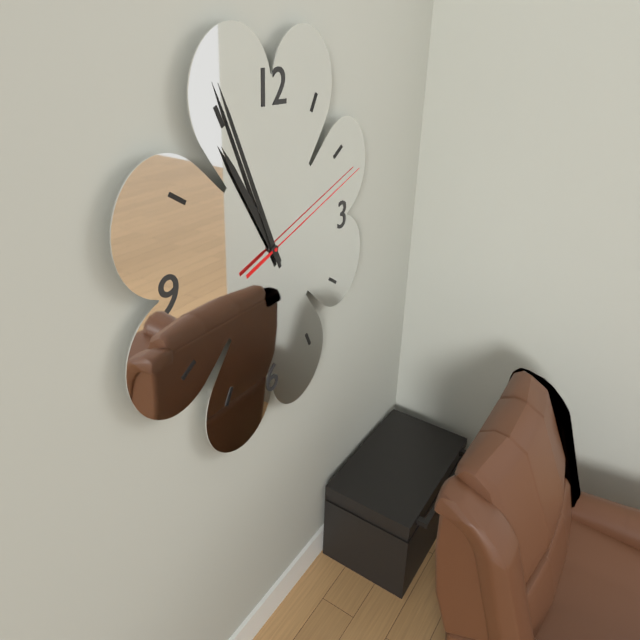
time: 10:56:12
